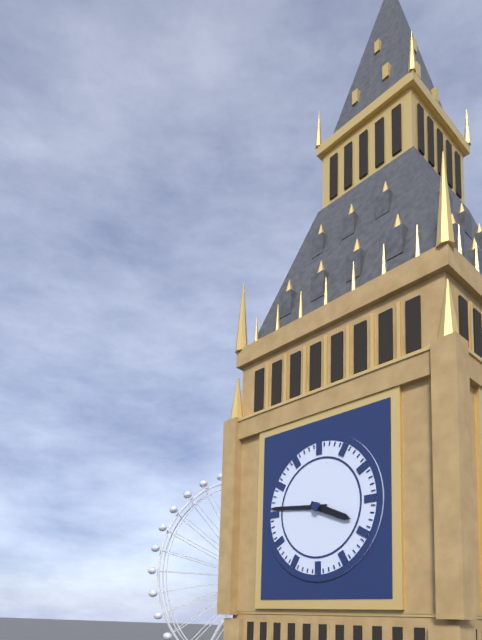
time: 3:46
